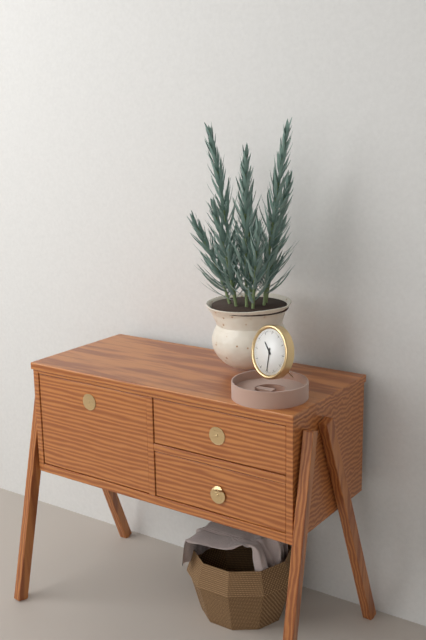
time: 10:30
